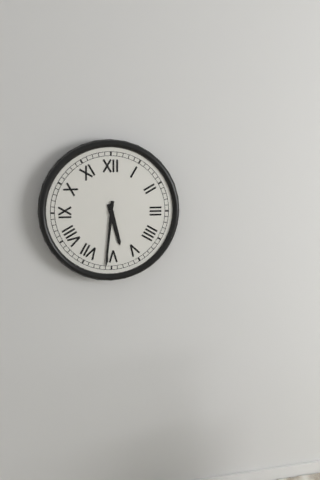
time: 5:31
